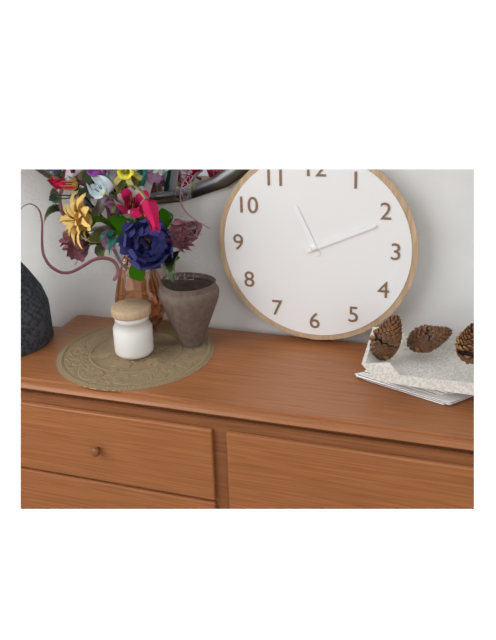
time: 11:11
